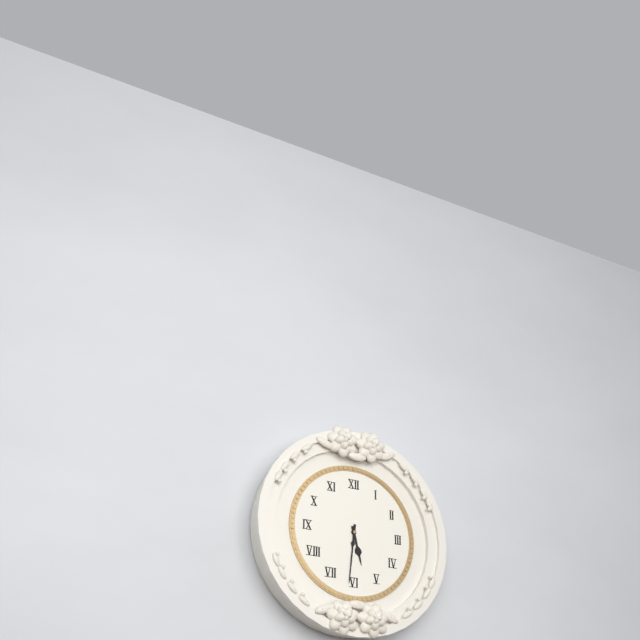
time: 5:31
